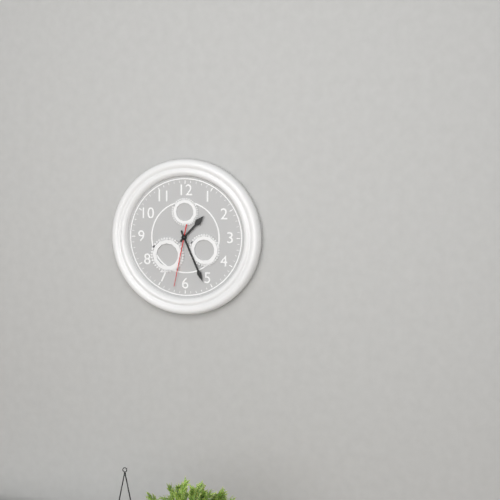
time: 1:26:32
